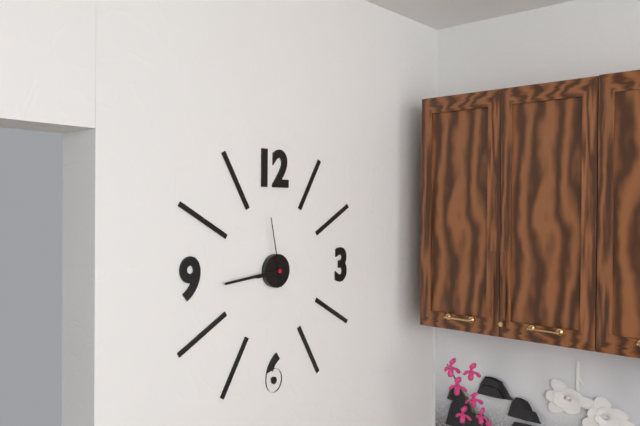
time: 8:44:58
